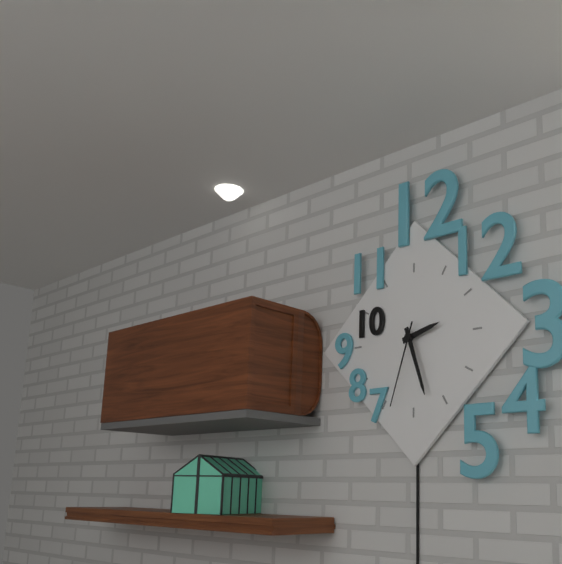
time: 2:27:33
